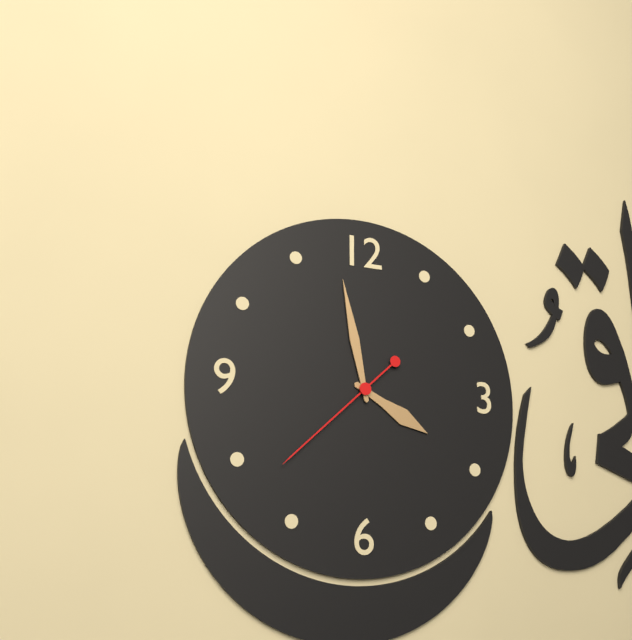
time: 3:58:38
